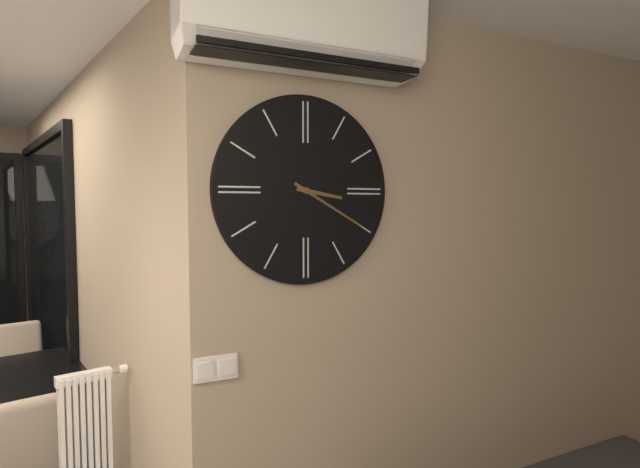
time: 3:20
